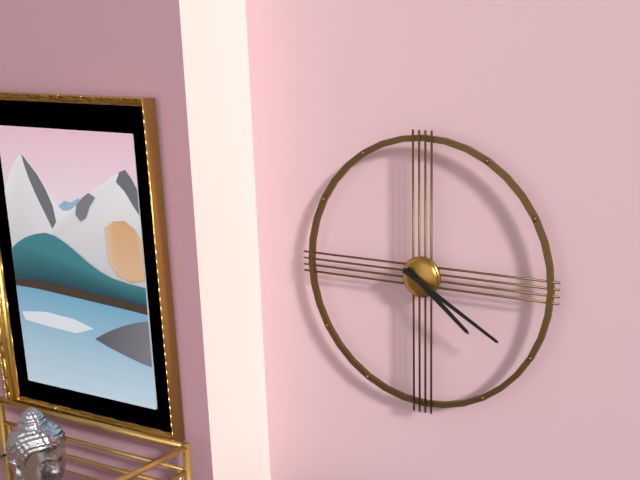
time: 4:20
